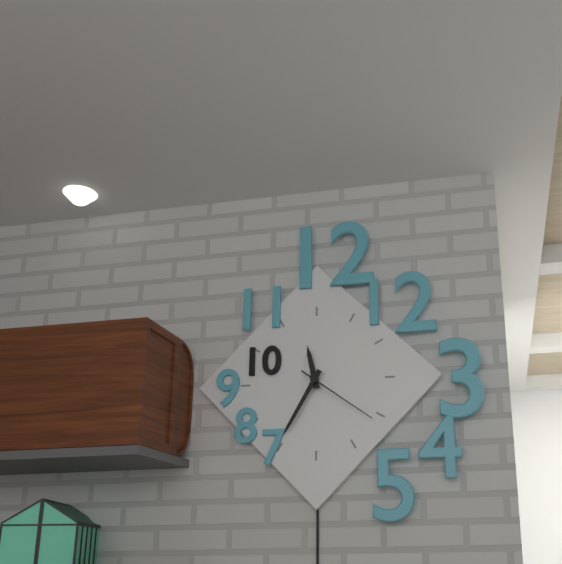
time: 11:35:21
